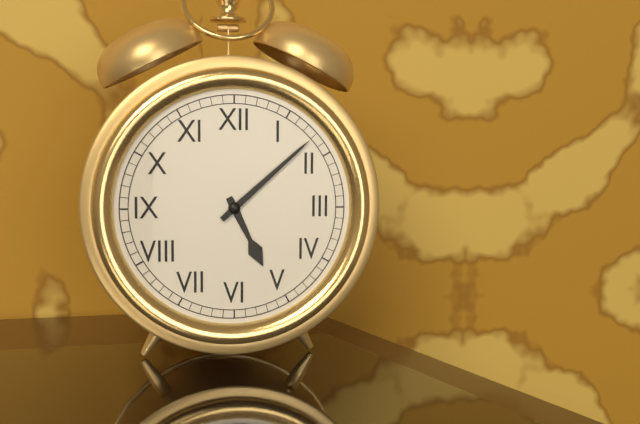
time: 5:08
